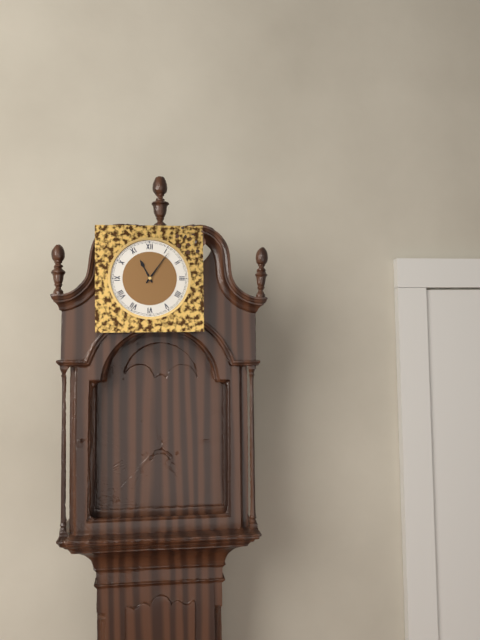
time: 11:06
